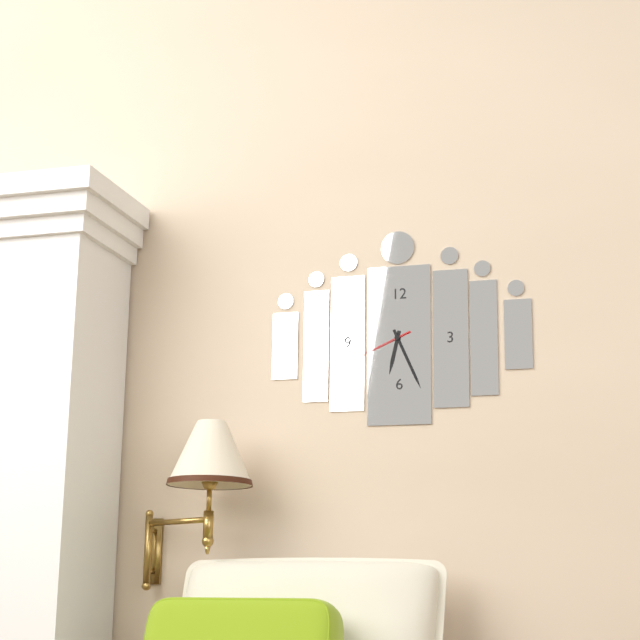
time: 6:26:41
